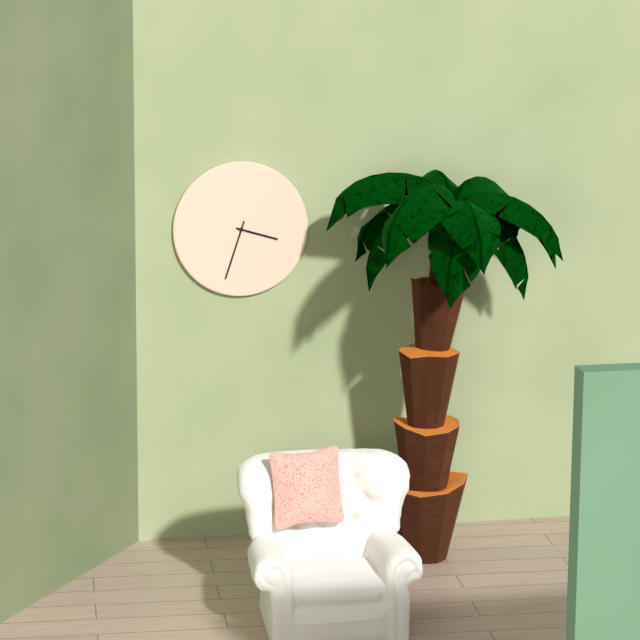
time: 3:33
